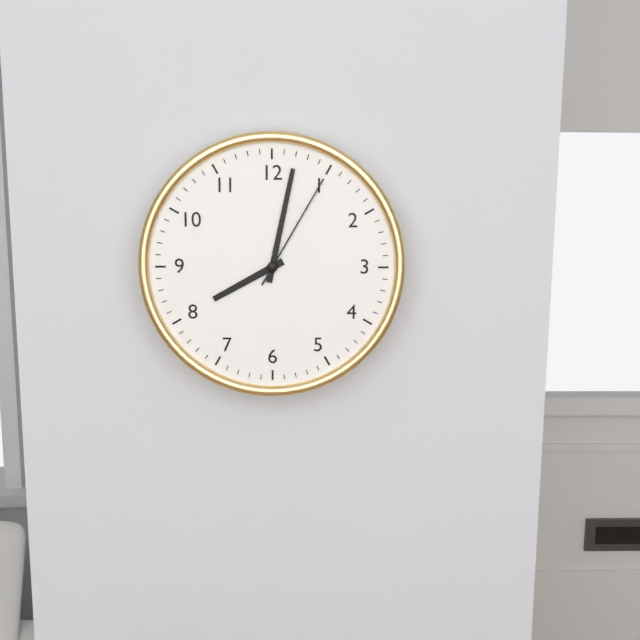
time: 8:02:05
